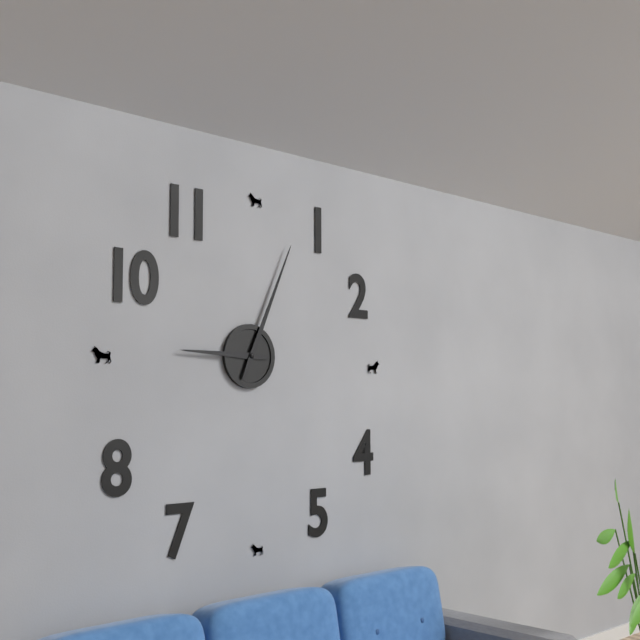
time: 9:04
